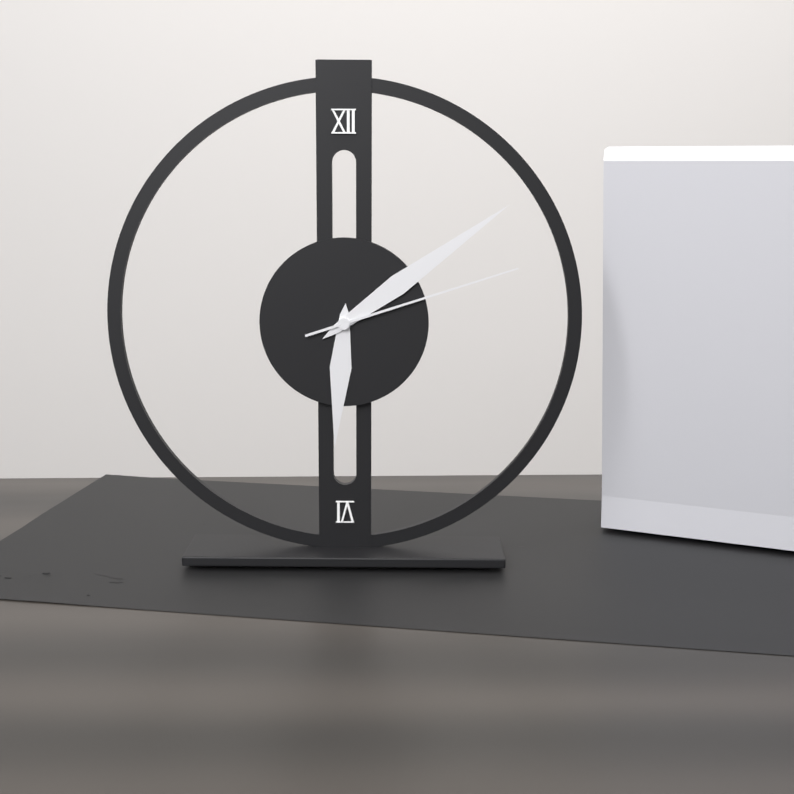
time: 6:09:12
